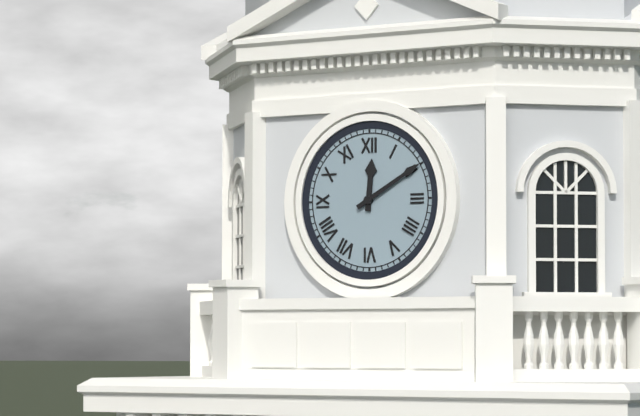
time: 12:10
